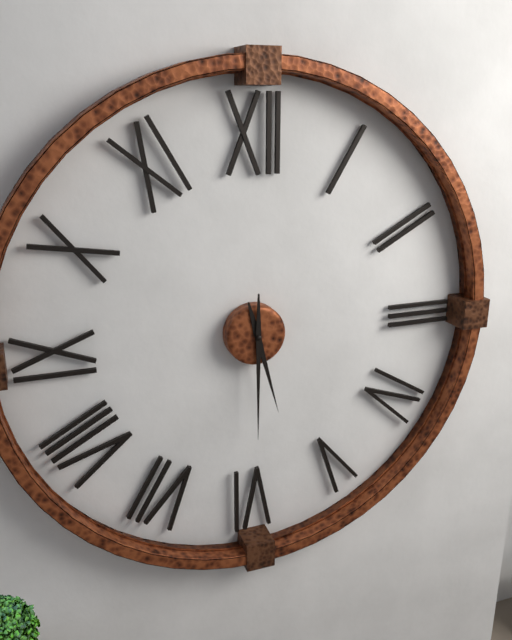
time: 5:30
